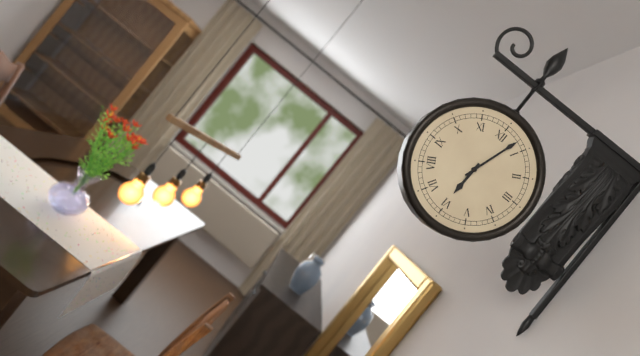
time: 6:03
